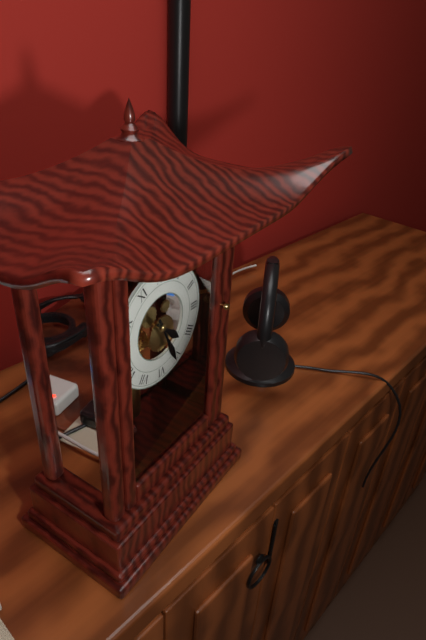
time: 4:26
